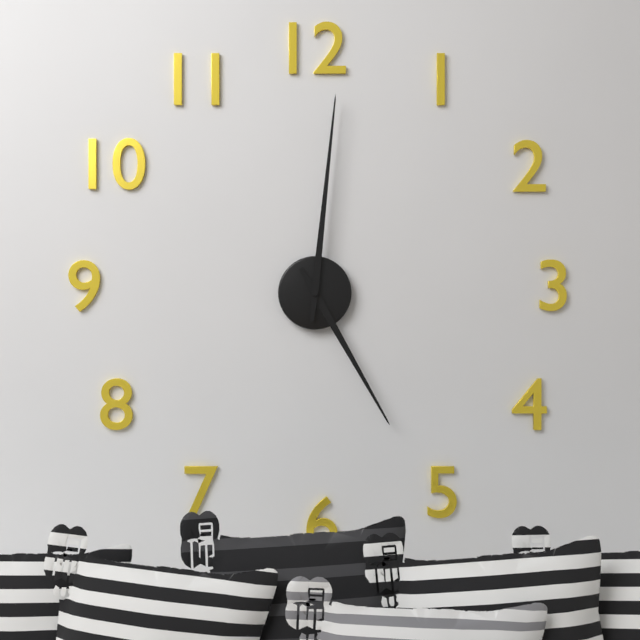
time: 5:01
